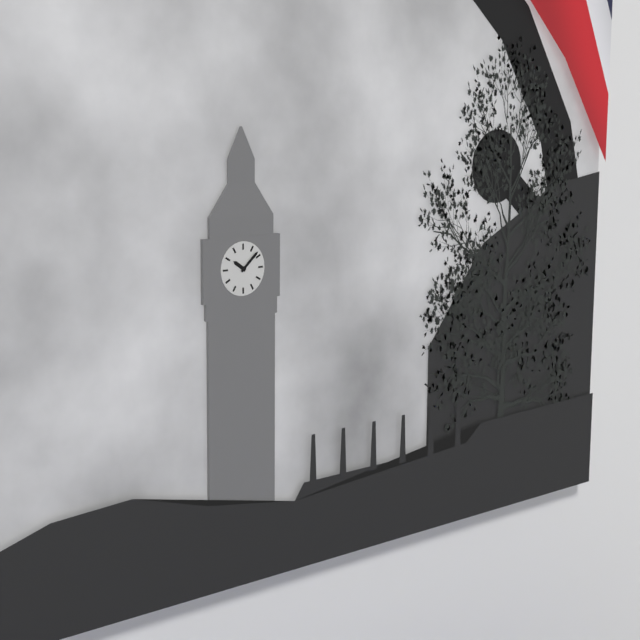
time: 10:08
